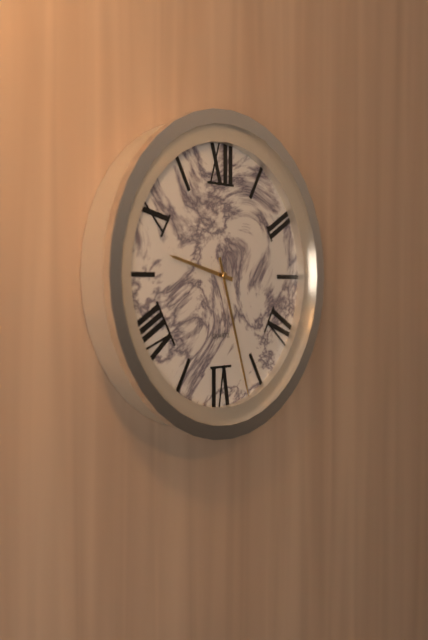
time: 9:27
